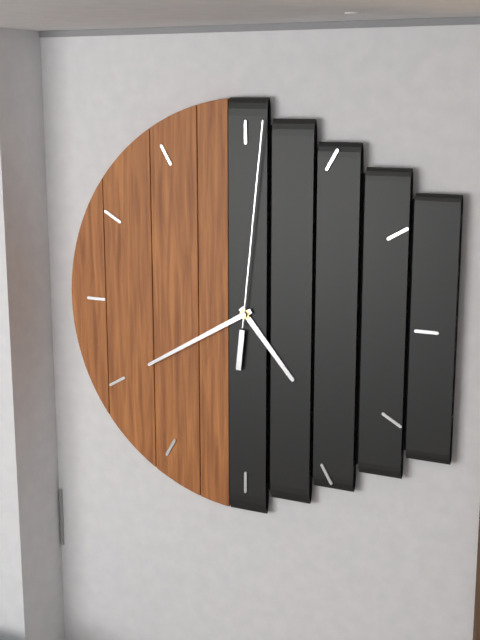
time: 4:40:01
